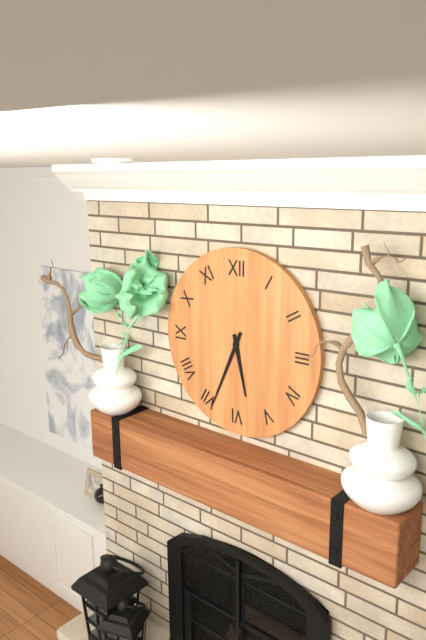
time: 5:34
